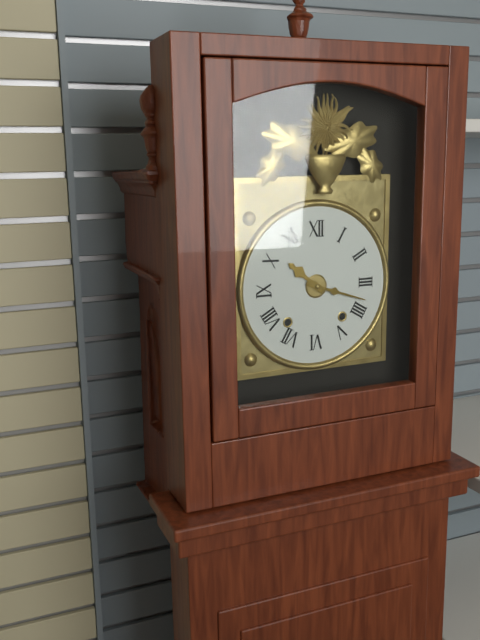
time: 10:18
